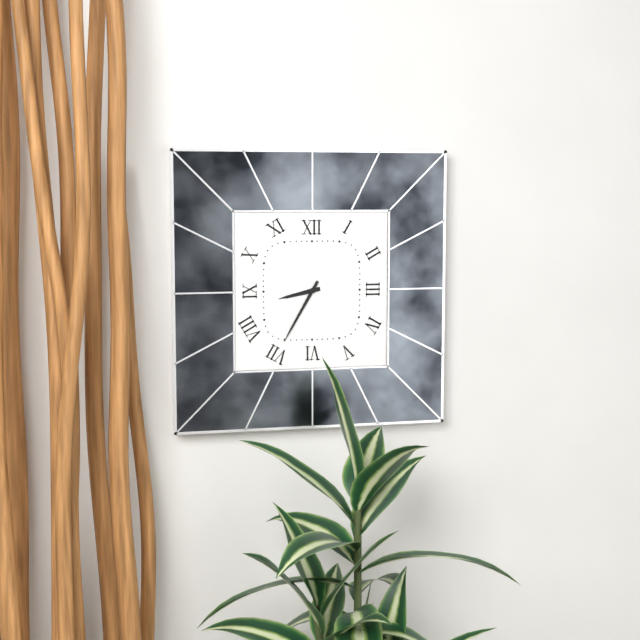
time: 8:35
